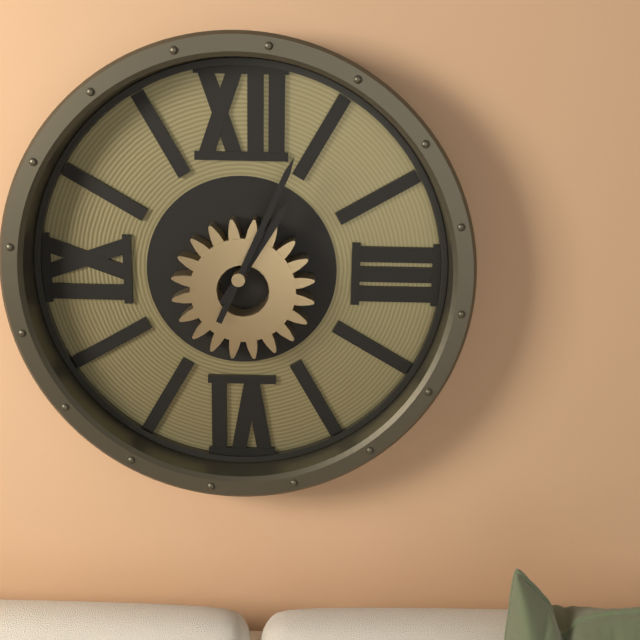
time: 1:04
